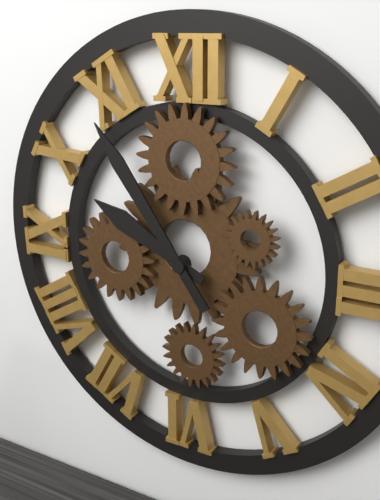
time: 9:54
